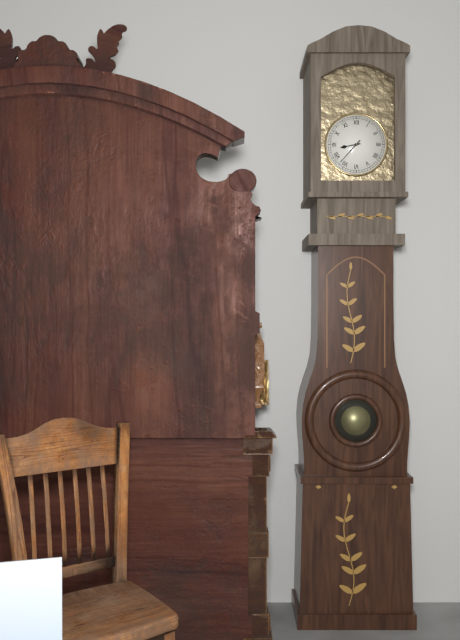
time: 8:37
